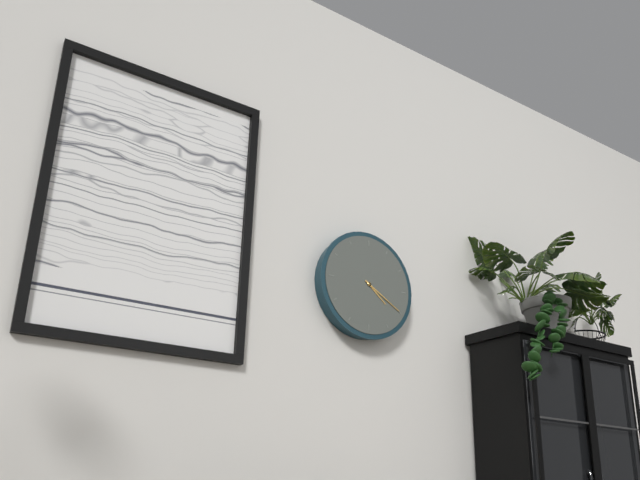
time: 4:20
